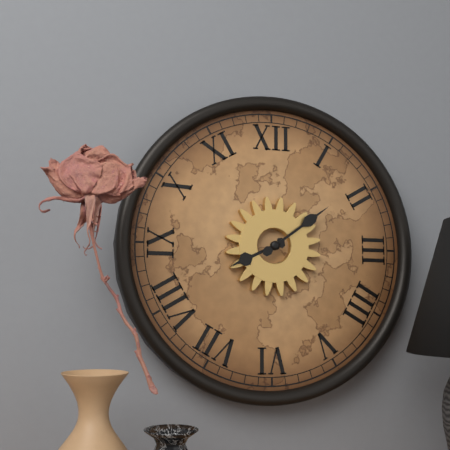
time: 8:09
